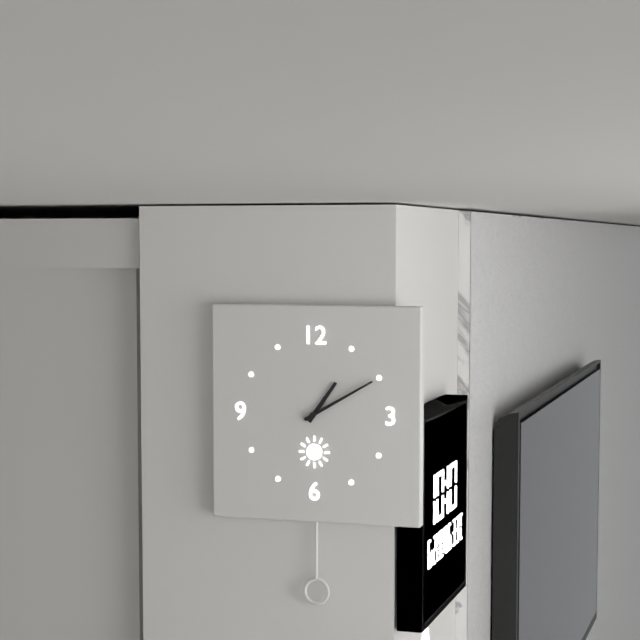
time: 1:10
